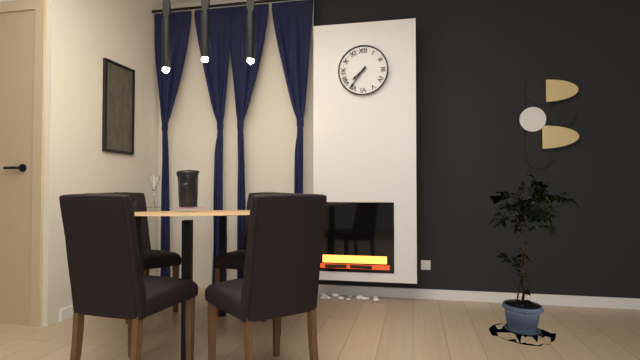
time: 7:36
